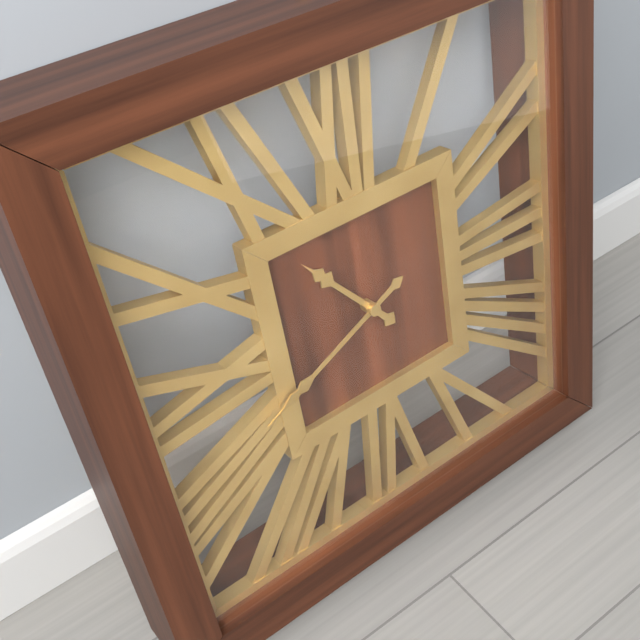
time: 10:41
